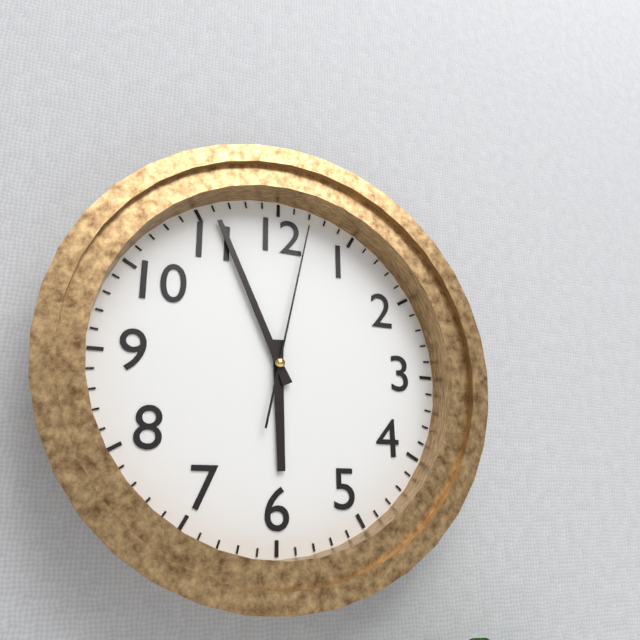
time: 5:56:02
